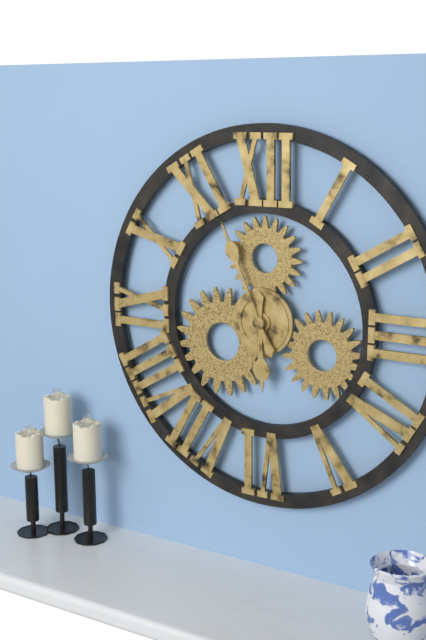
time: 5:56
